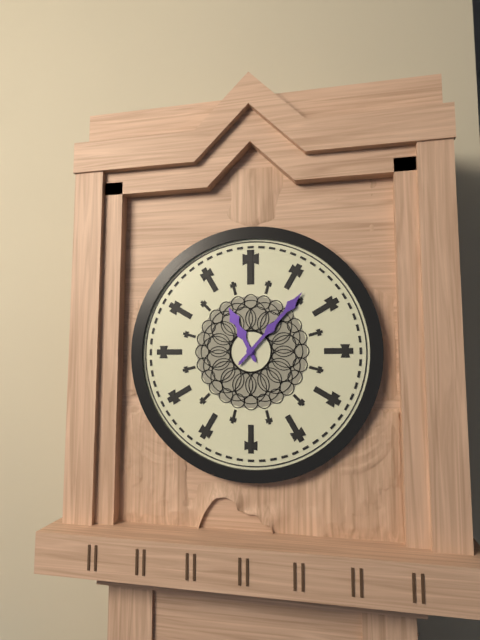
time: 11:07
